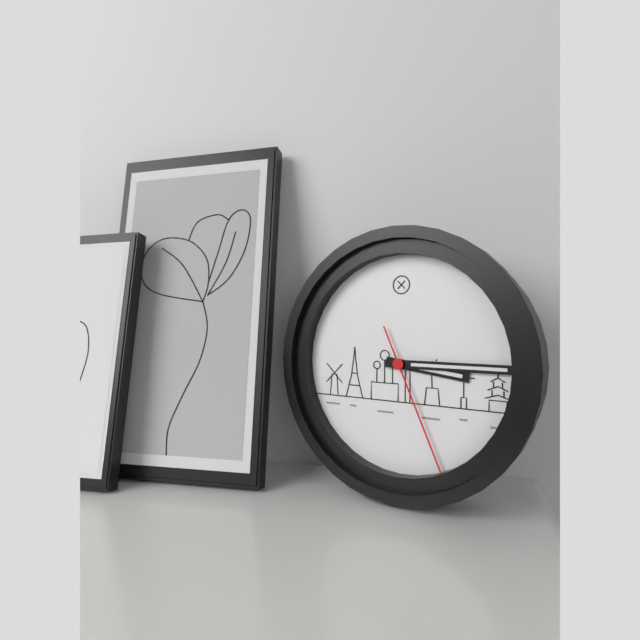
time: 3:15:26
